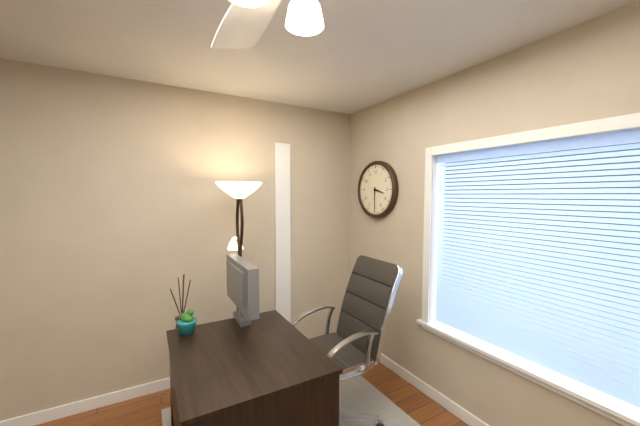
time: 3:30
